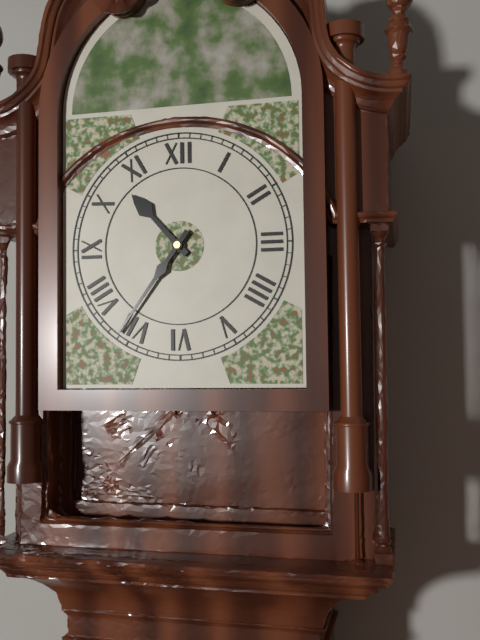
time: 10:36
